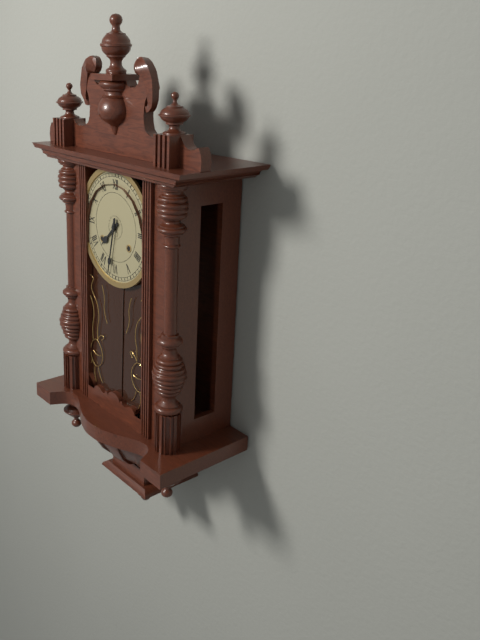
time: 7:32
